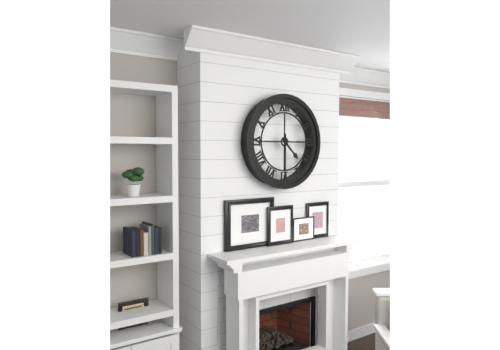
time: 4:30
